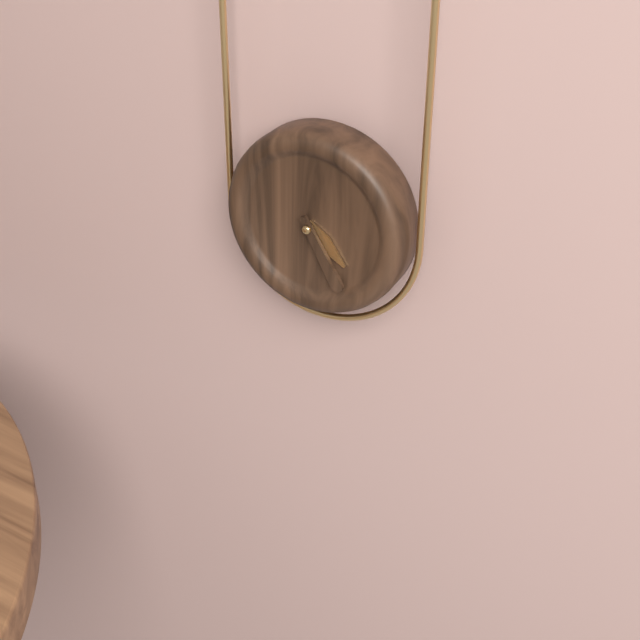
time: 4:25
